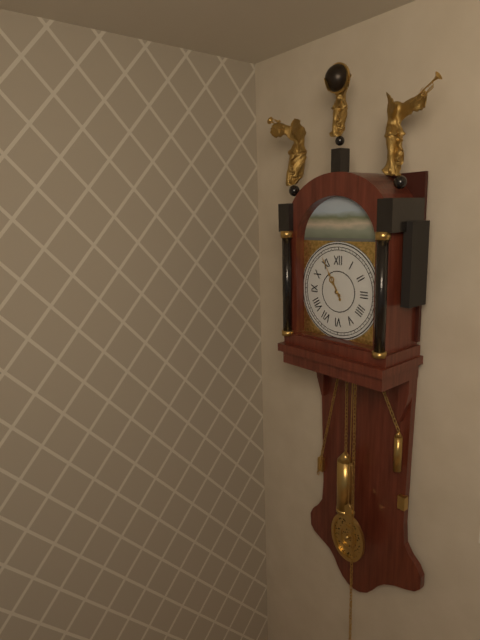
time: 10:55
